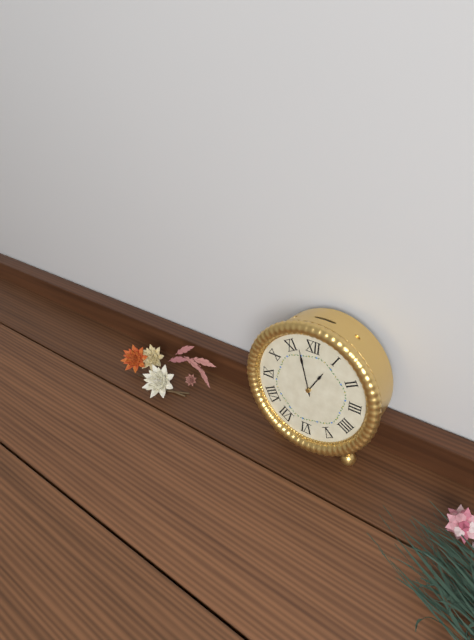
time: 12:57
